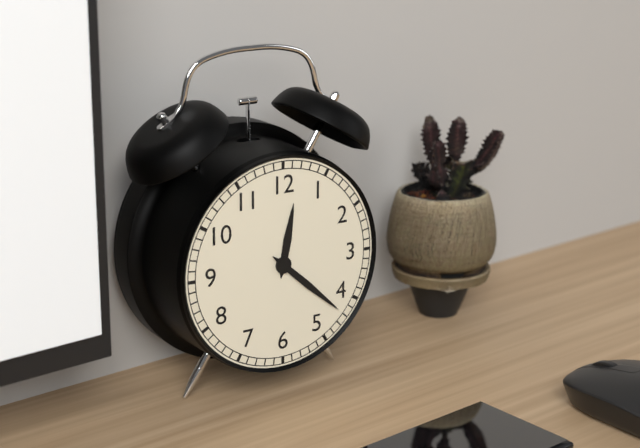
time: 12:22
